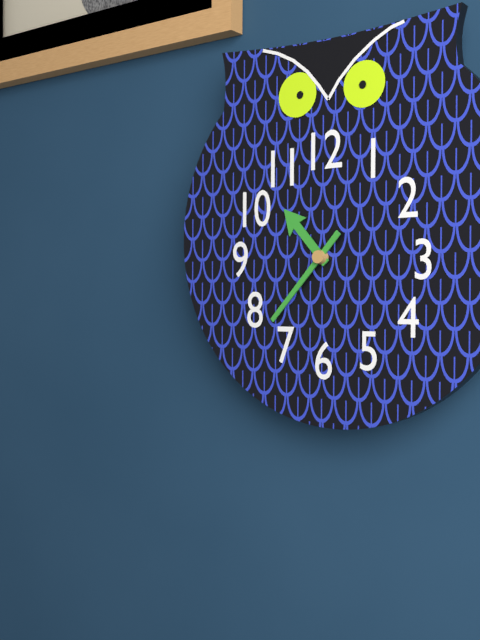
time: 10:37
